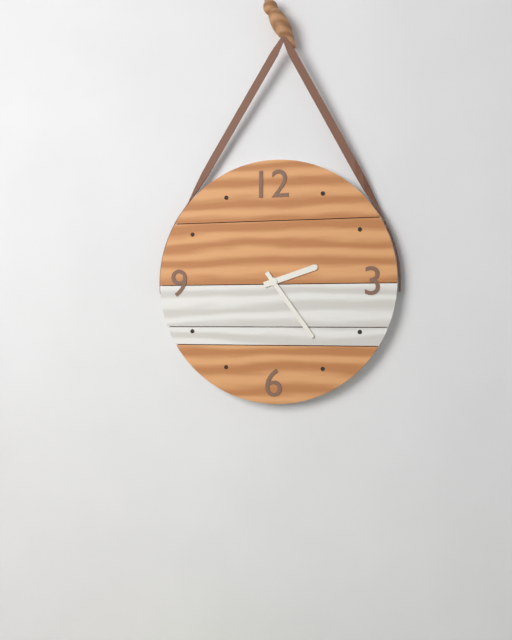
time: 2:24
